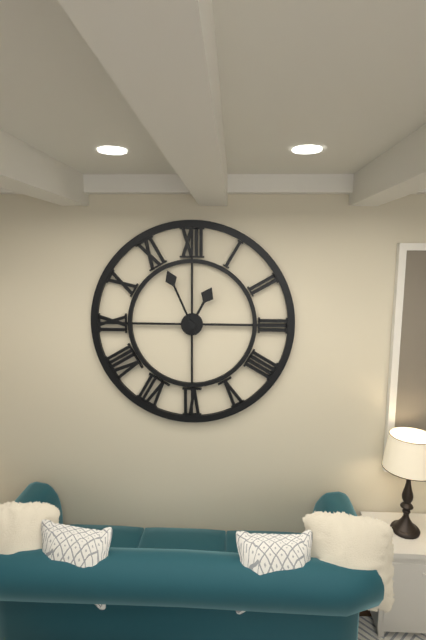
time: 12:56
